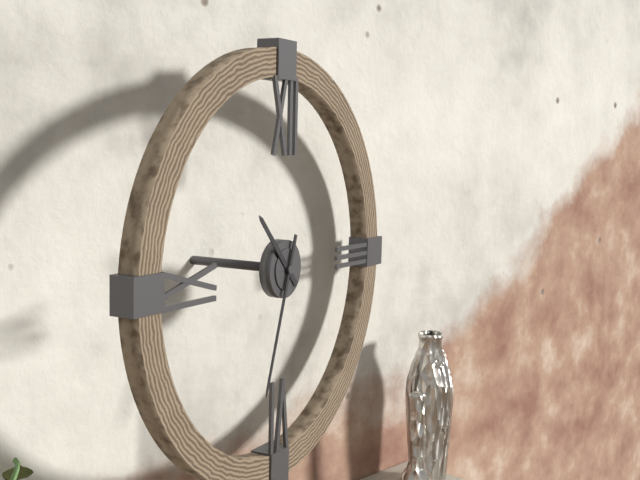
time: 10:33
